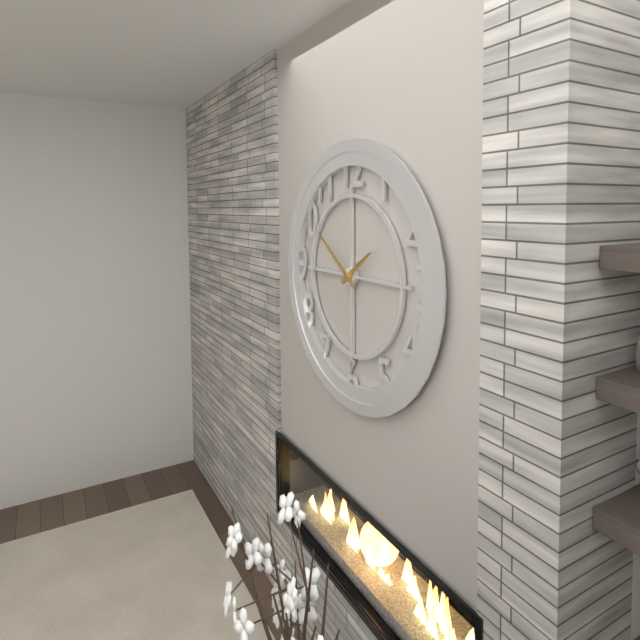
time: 1:51
